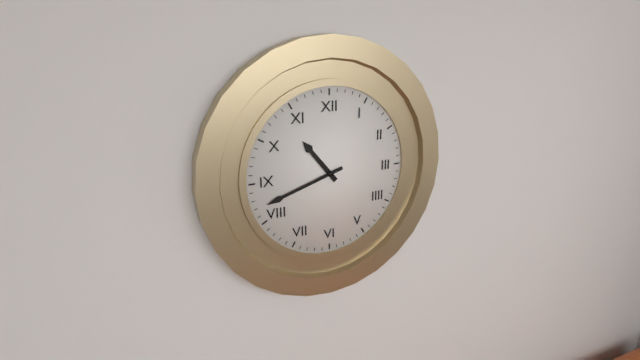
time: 10:42
